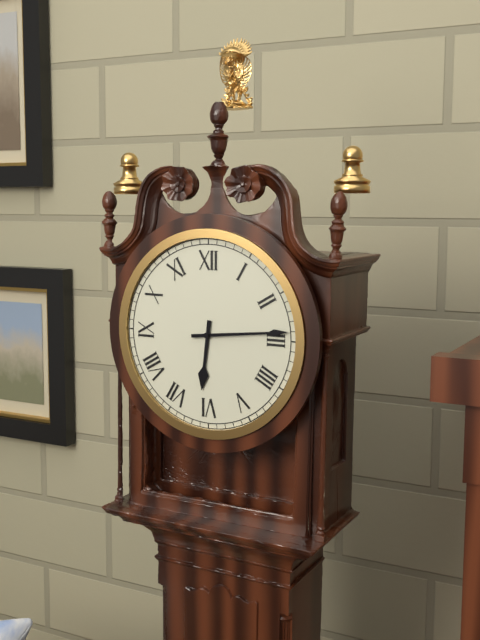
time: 6:14
